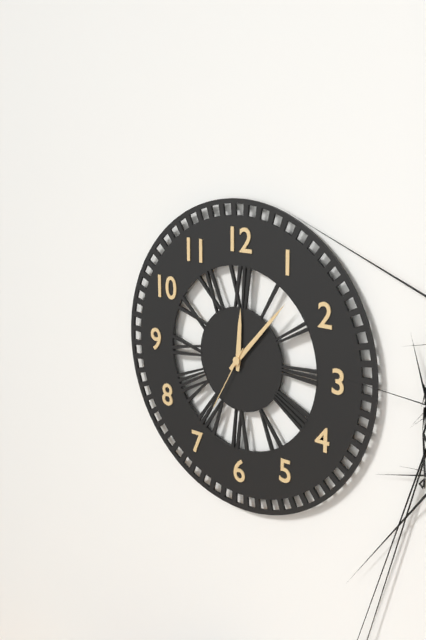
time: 12:07:35
